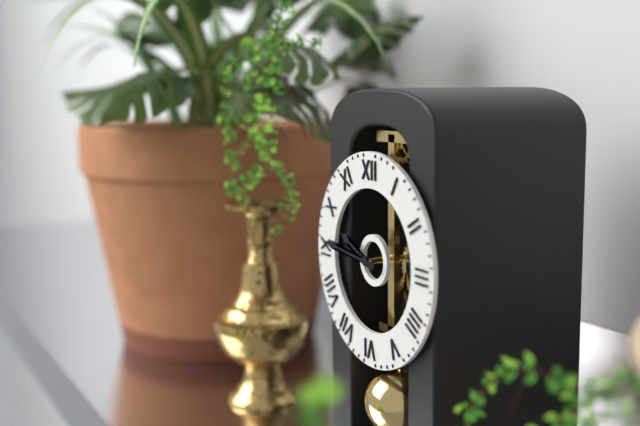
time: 9:46
